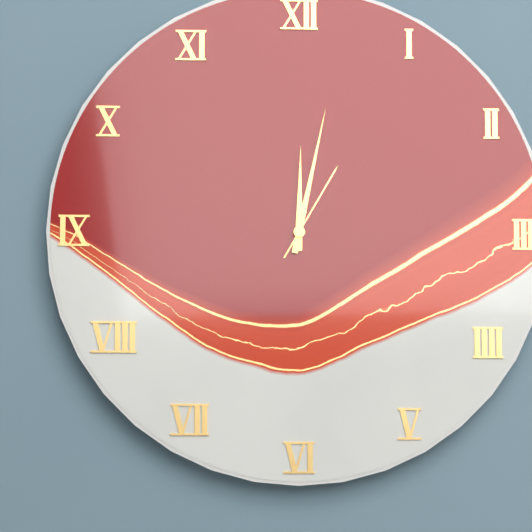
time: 12:02:05
